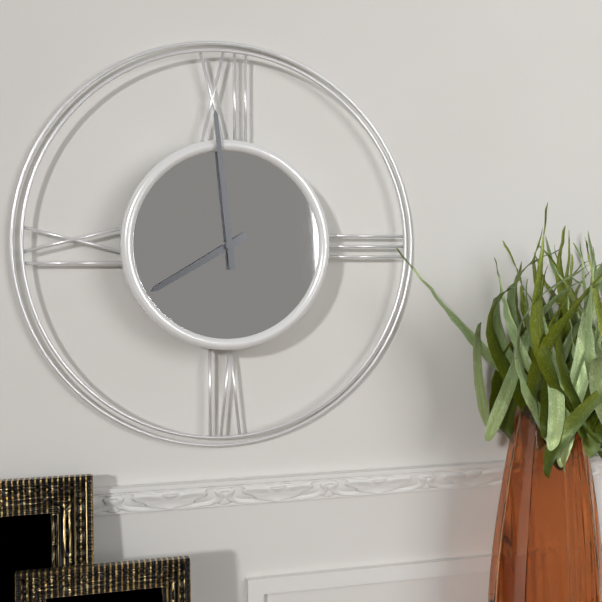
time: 7:59
